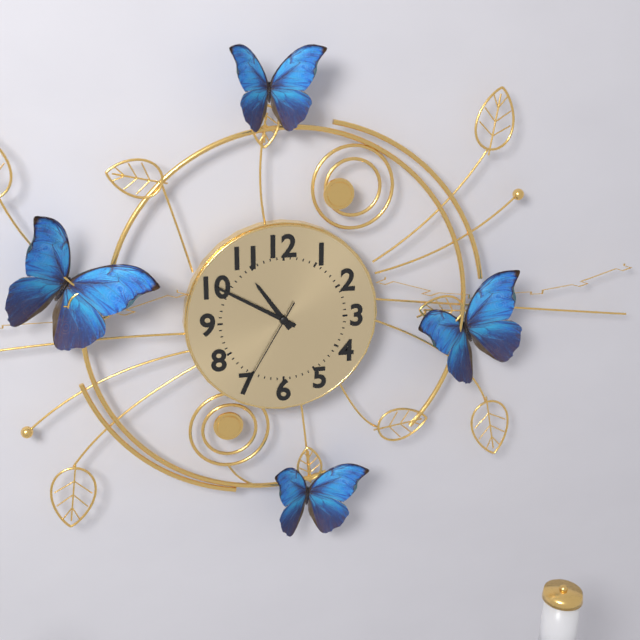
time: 10:50:35
